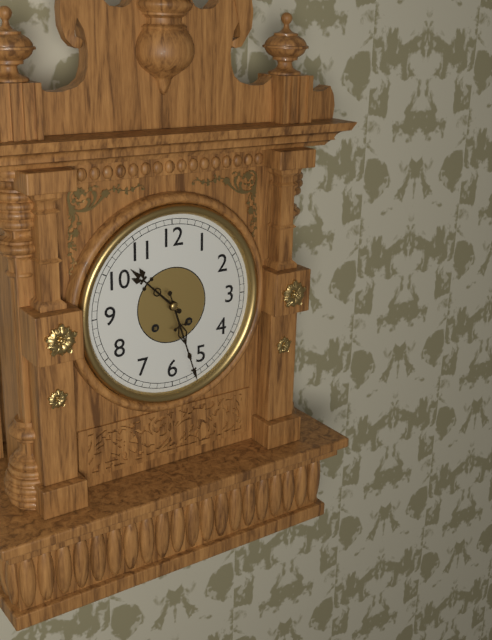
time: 10:27
